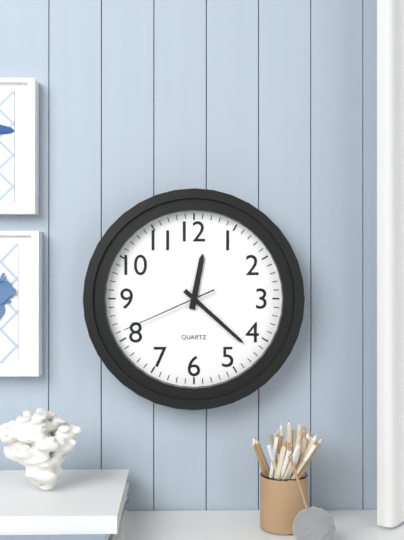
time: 12:22:41
